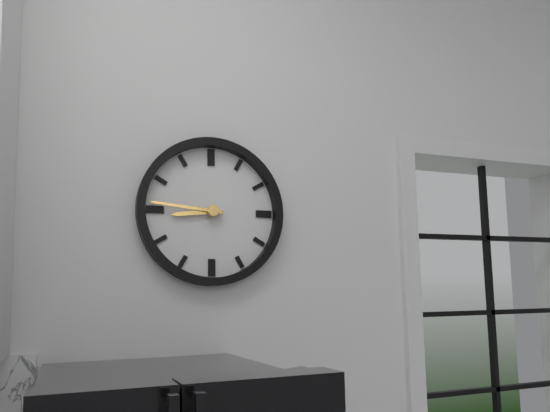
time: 8:46
